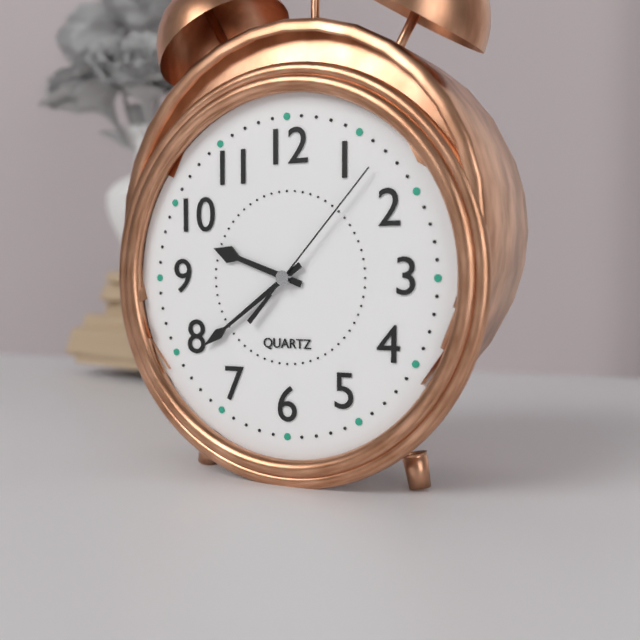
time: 9:39:07
